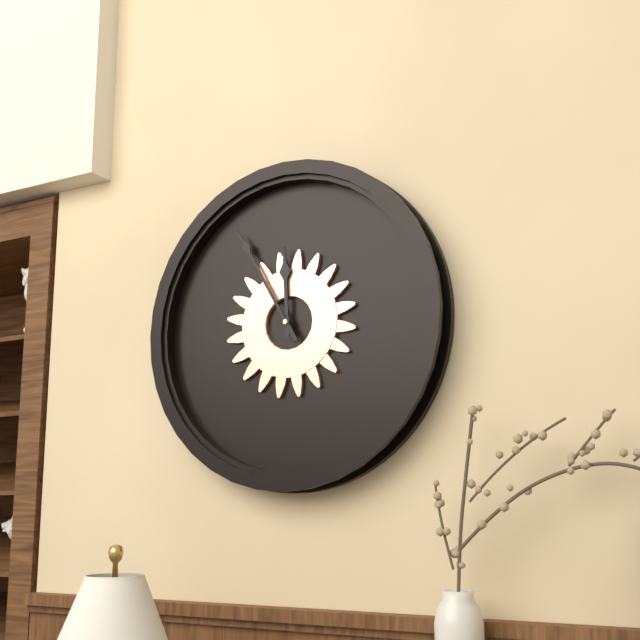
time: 11:55
